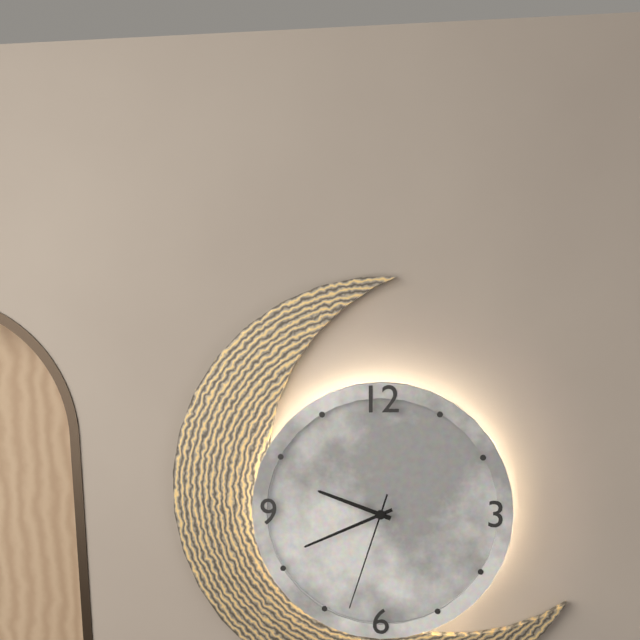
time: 9:41:33
